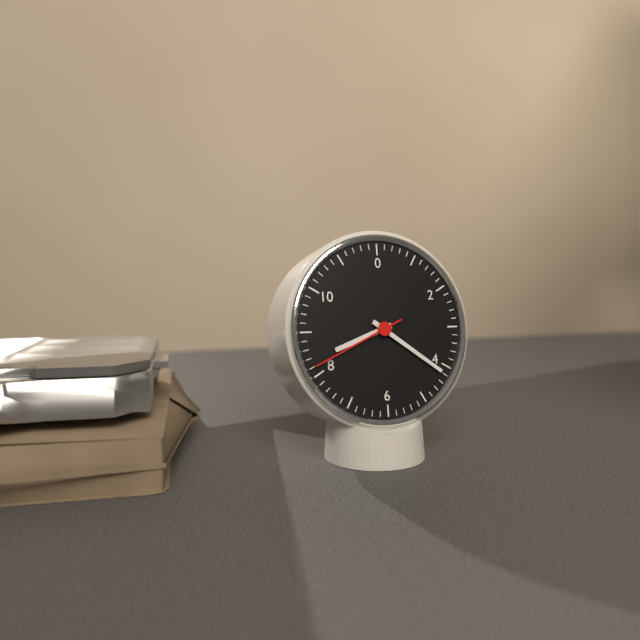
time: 8:21:41
